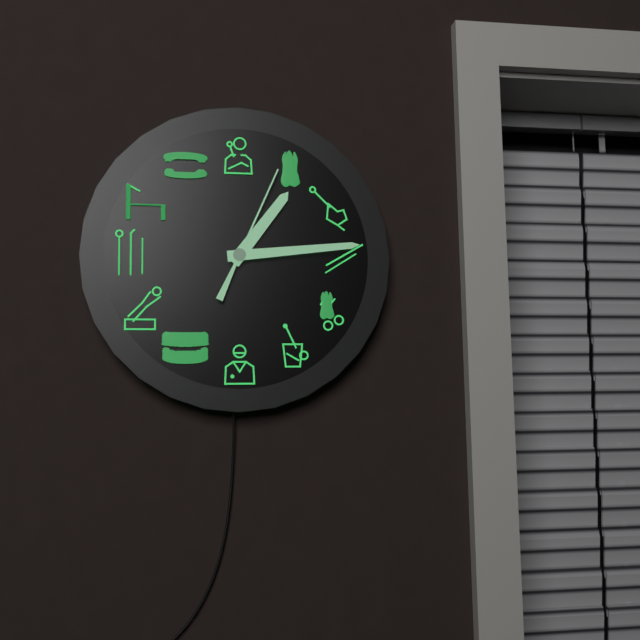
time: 1:14:04
